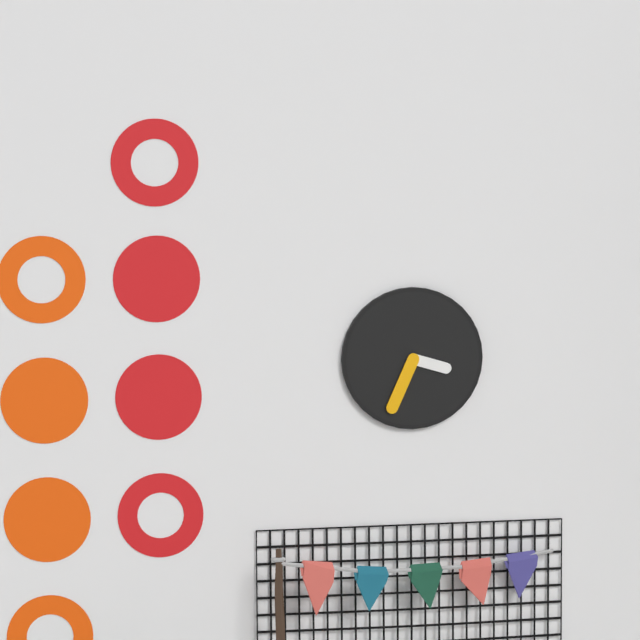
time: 3:34
